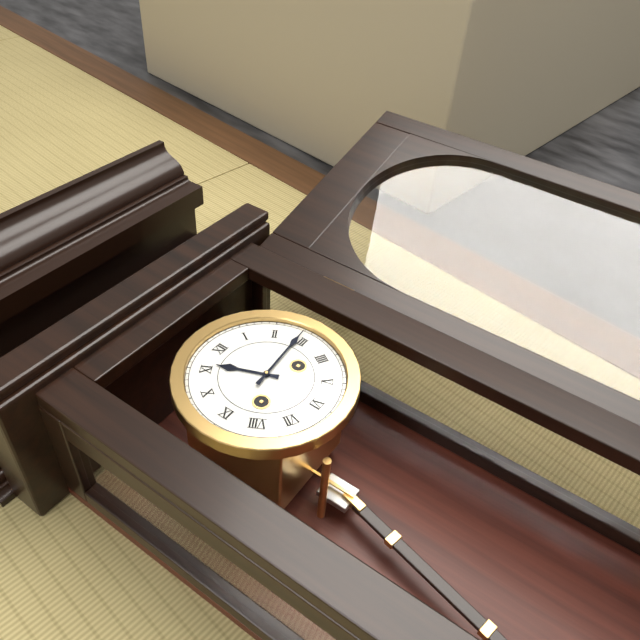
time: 11:14
